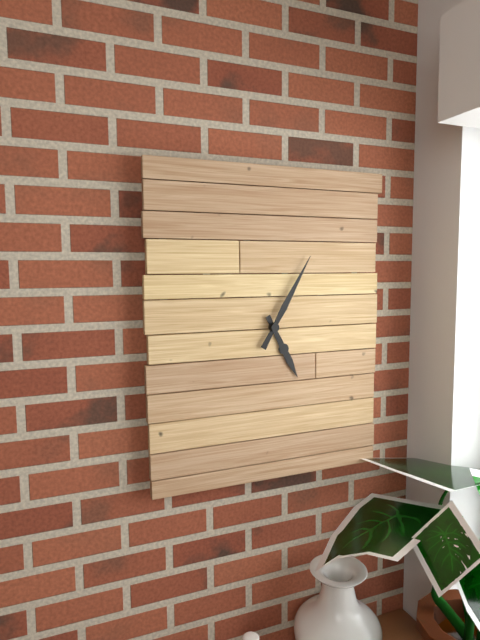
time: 5:05
